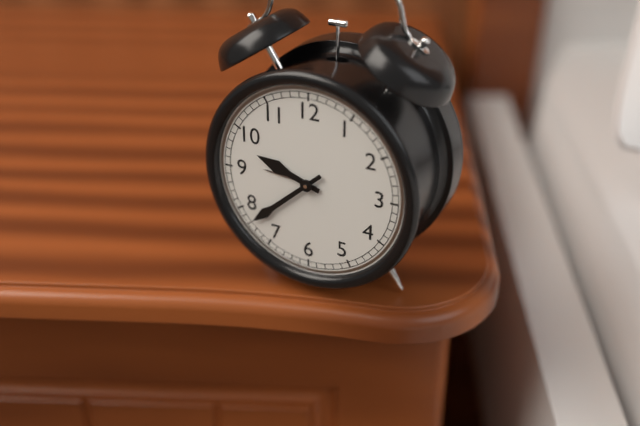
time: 9:38
